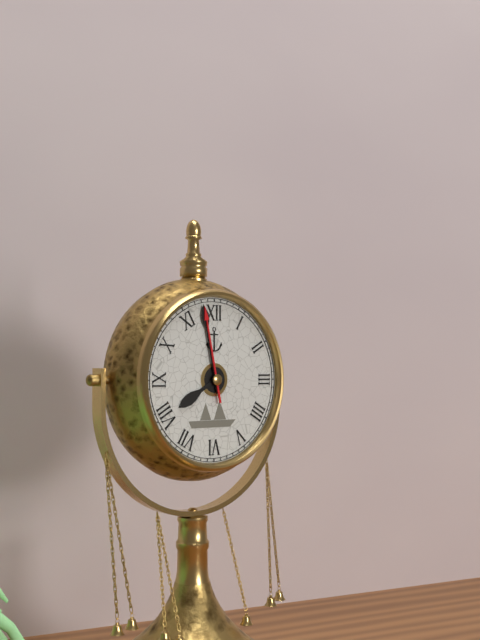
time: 7:58:58
